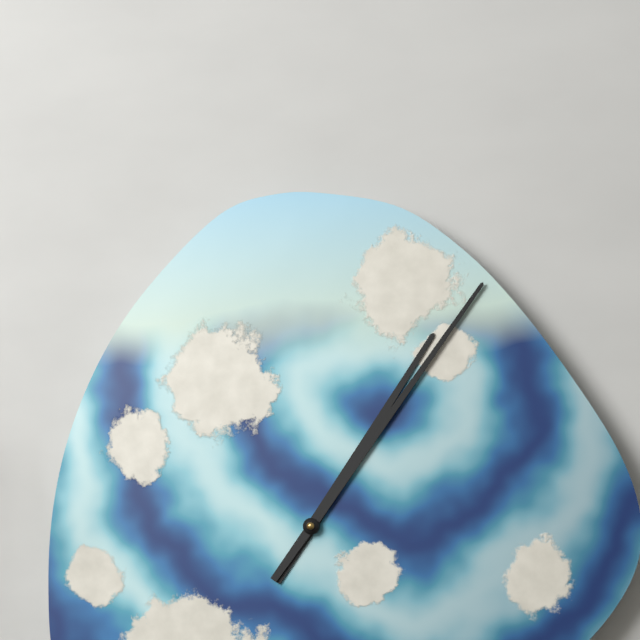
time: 1:06
